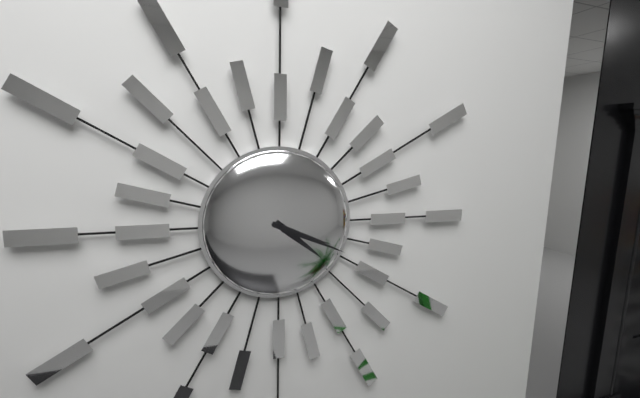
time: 4:19
